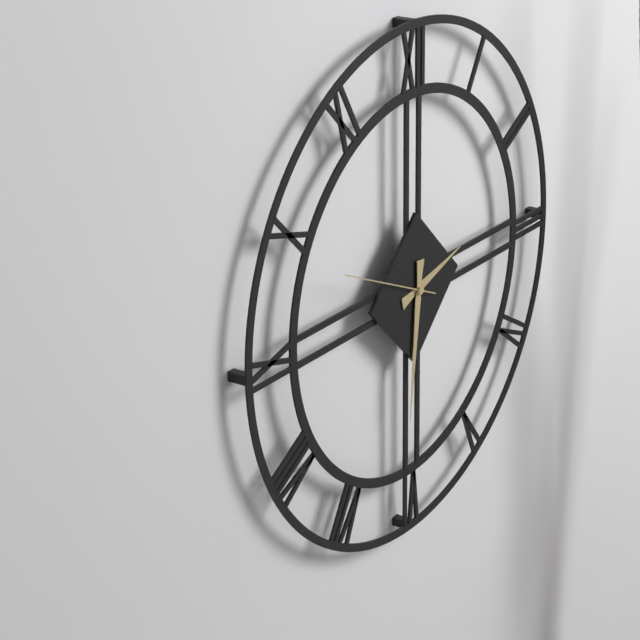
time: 2:31:49
